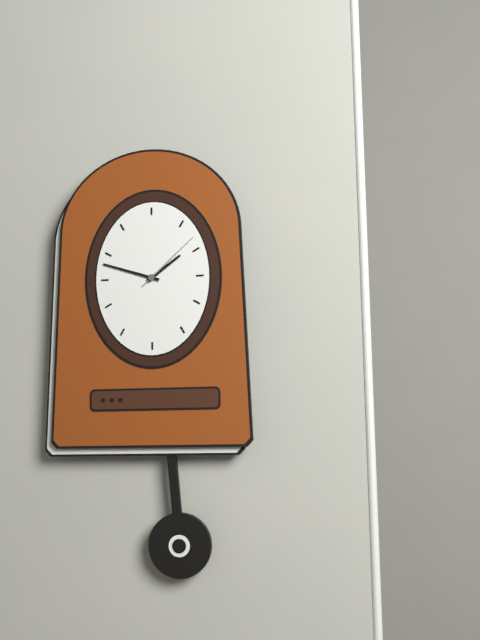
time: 1:48:08
